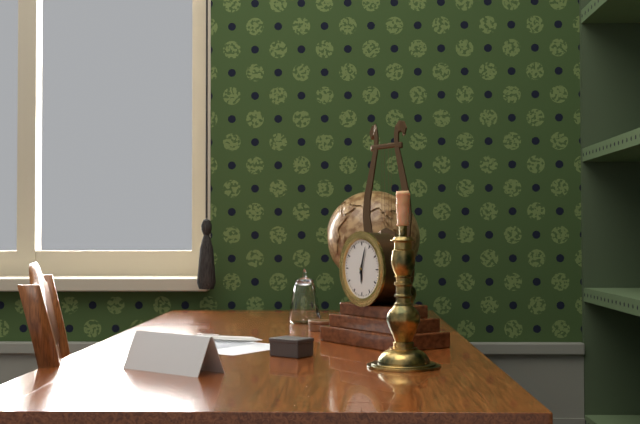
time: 6:03
